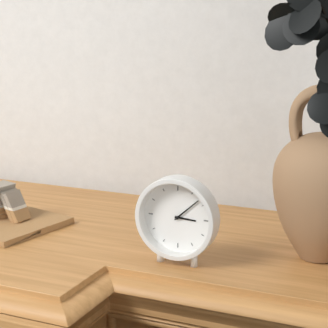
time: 3:08
